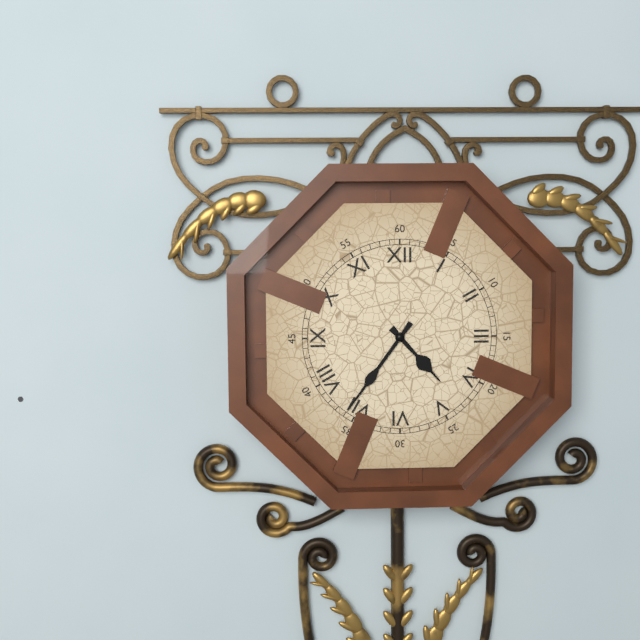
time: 4:36
